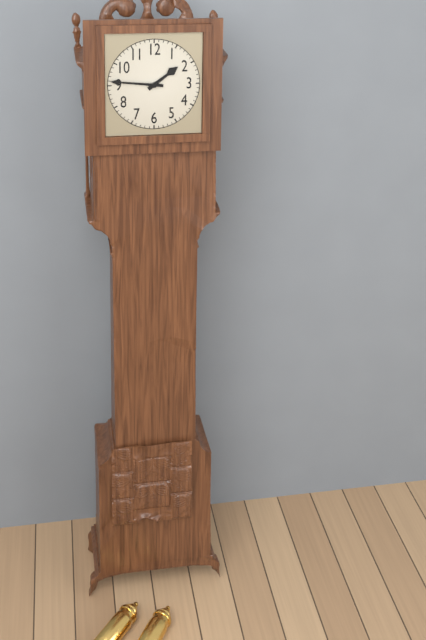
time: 1:46
